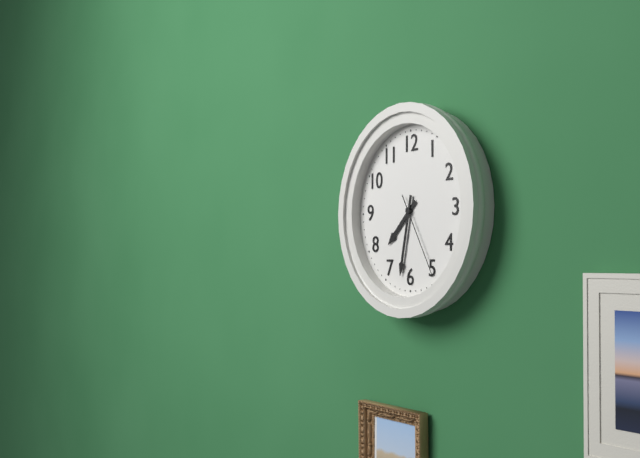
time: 7:32:25
